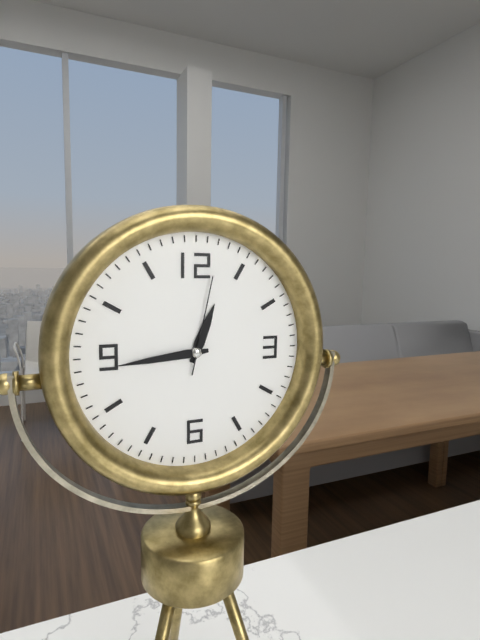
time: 12:44:02
